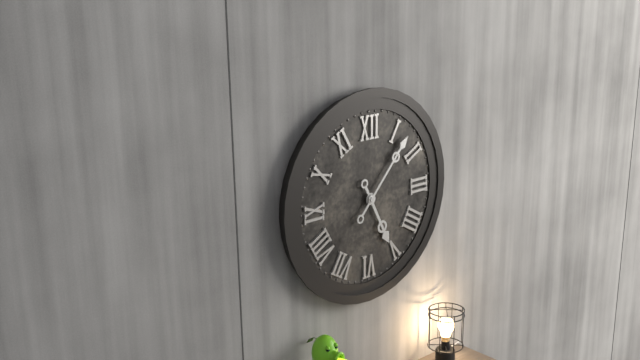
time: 5:07
